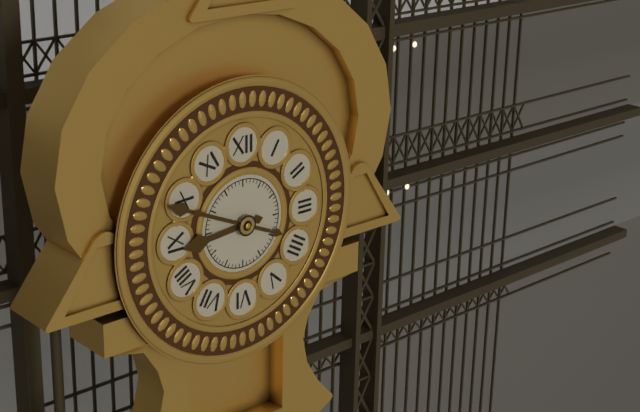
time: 8:49
